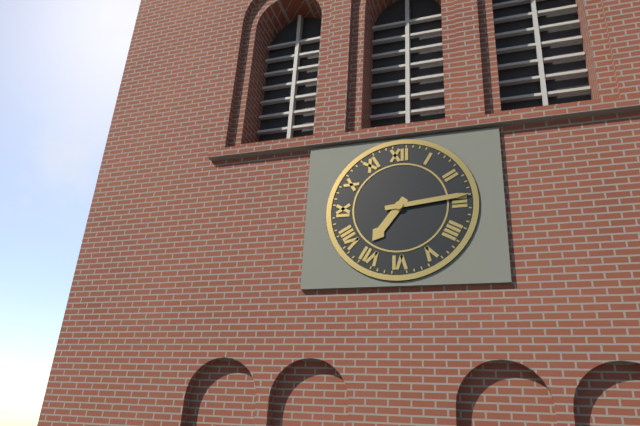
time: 7:14
